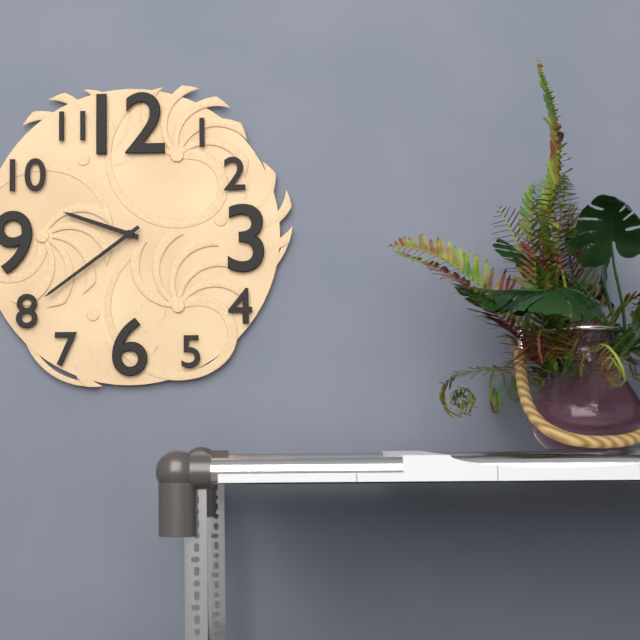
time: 9:39
